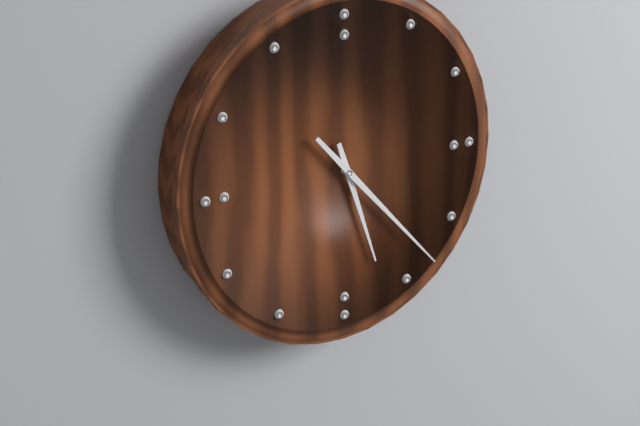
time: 5:23
